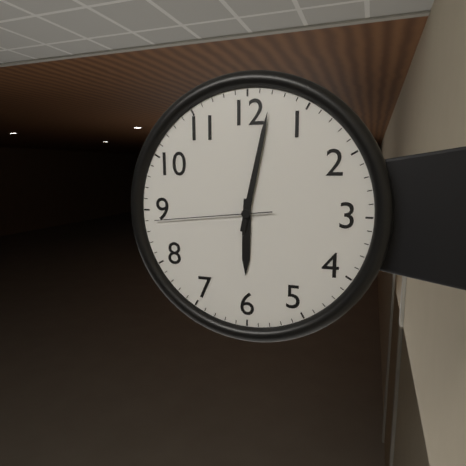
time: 6:02:44
